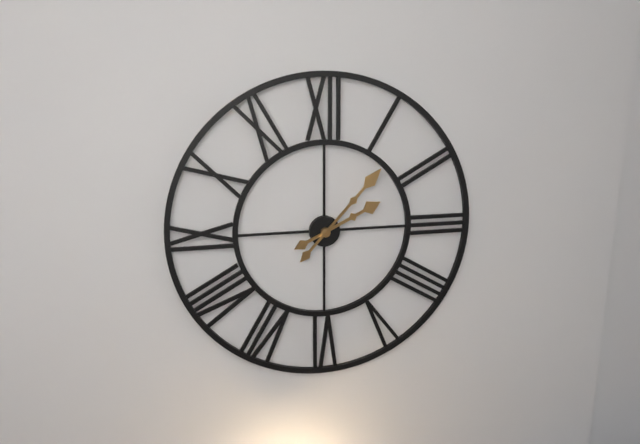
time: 2:07
